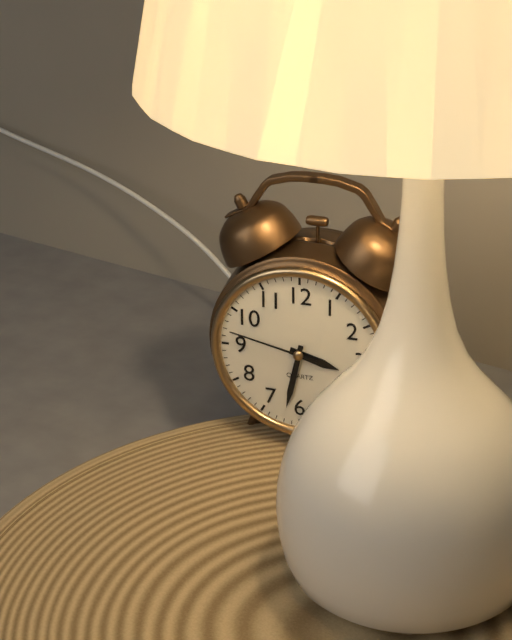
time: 3:32:47
